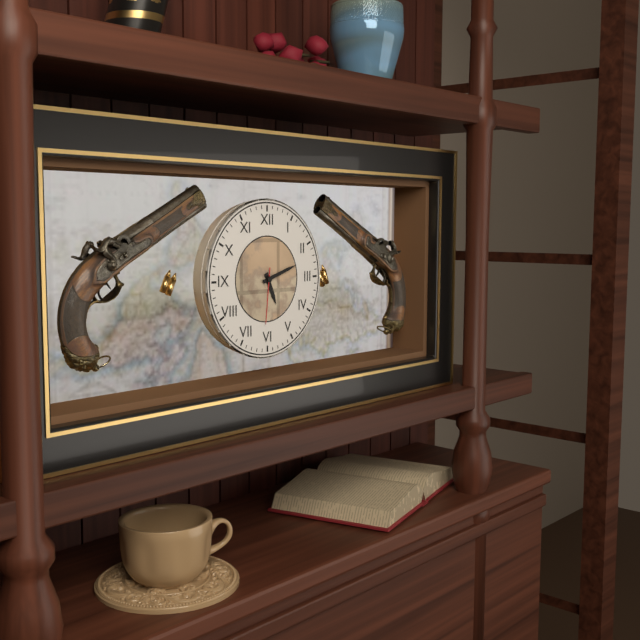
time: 5:12:31
